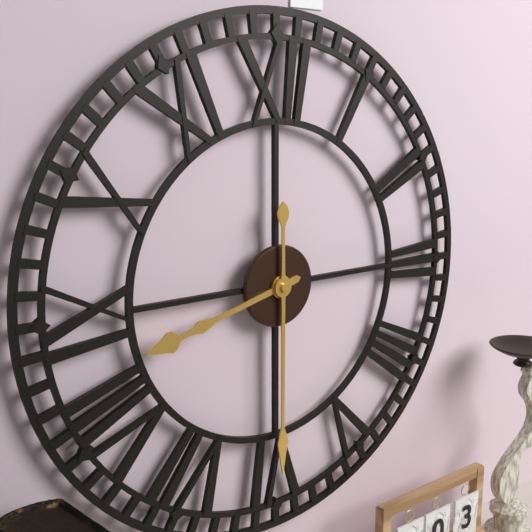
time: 8:30
